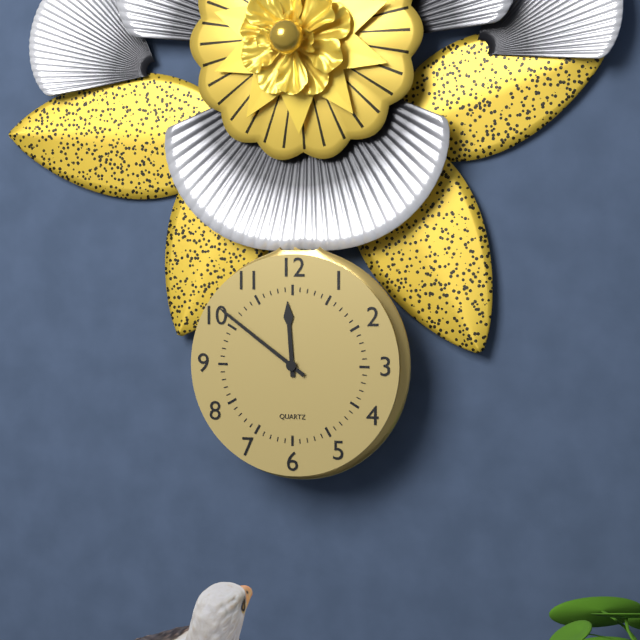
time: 11:51
